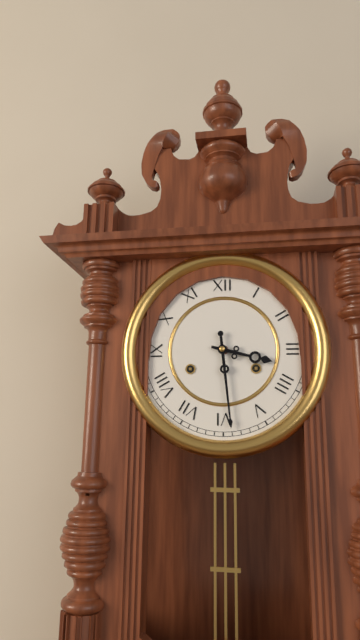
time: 3:29
